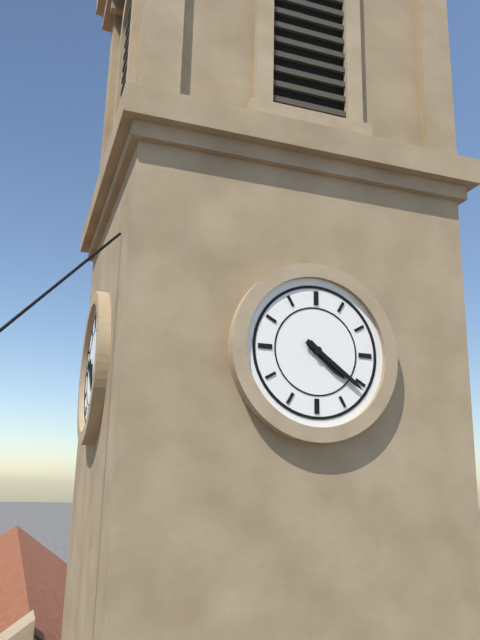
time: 4:21
